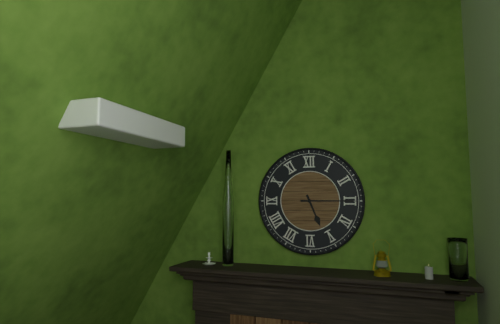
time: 5:15
